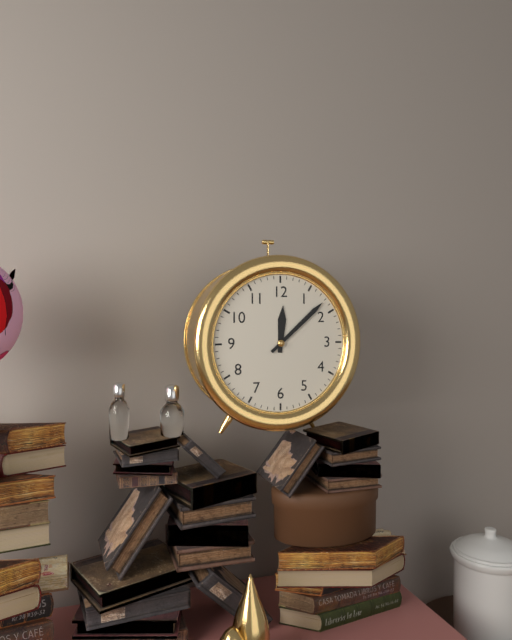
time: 12:08
